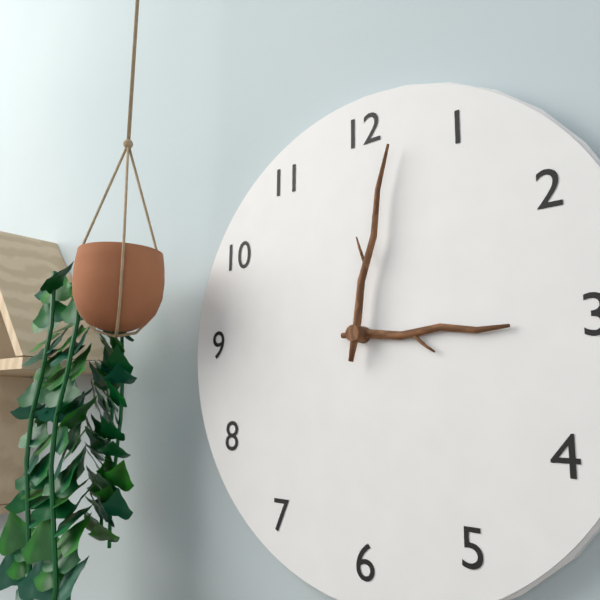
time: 3:02
